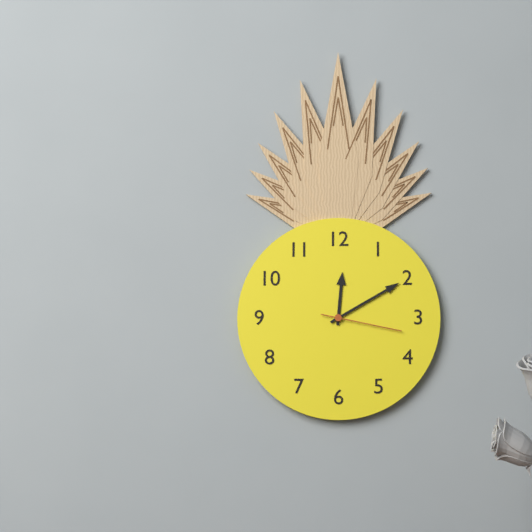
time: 12:10:17
